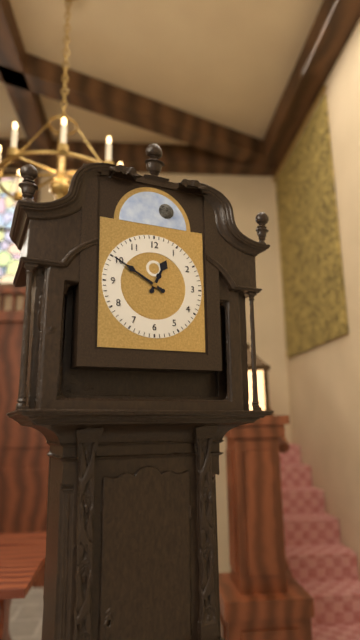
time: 12:50
